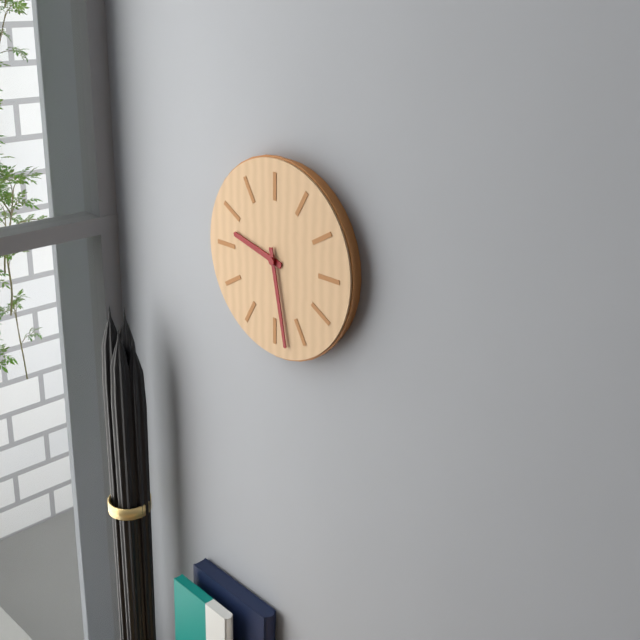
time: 9:28
